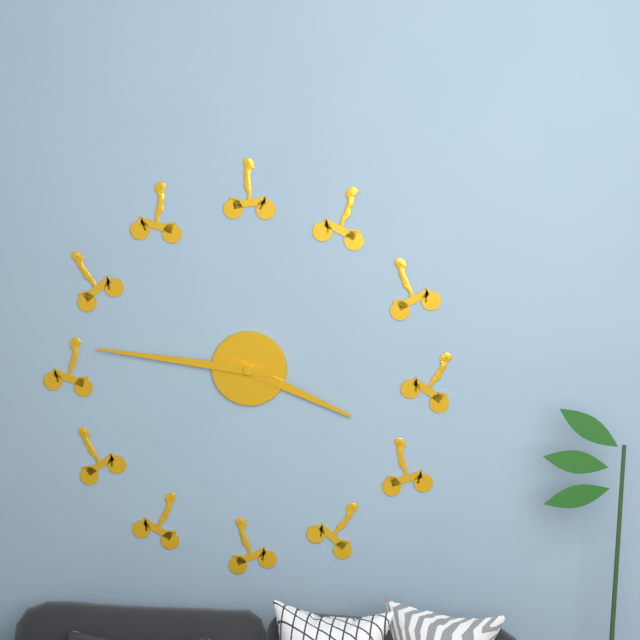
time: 3:46
